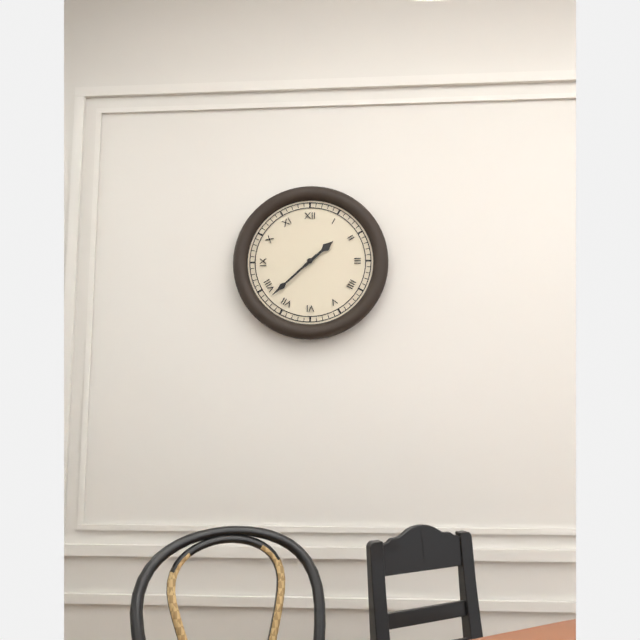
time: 1:38
